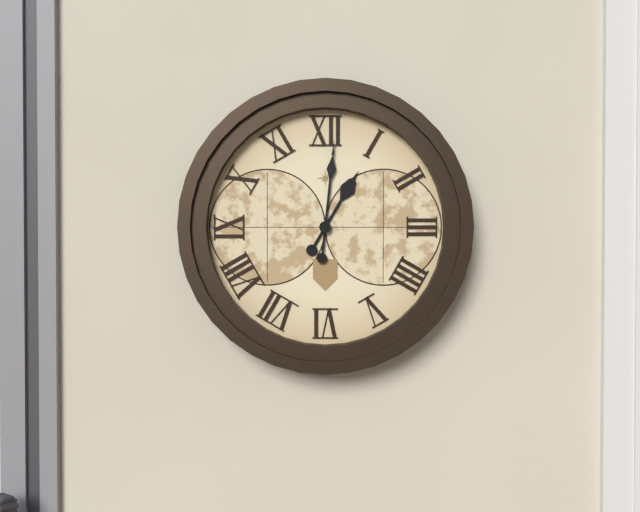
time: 1:01
